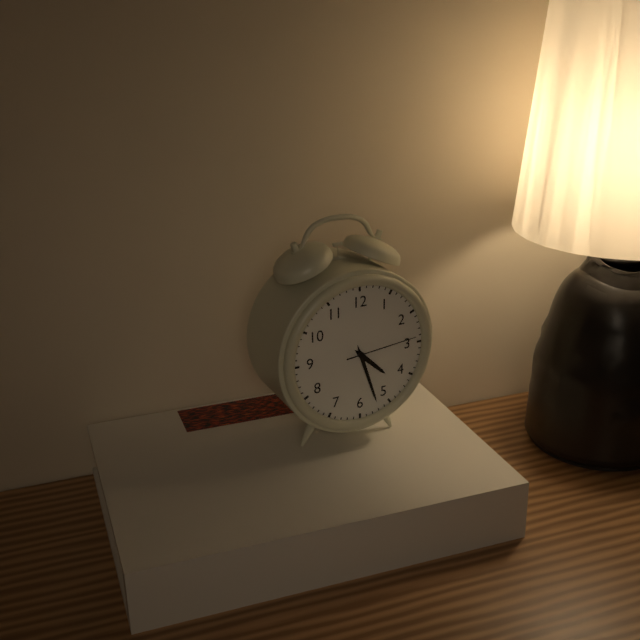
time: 4:27:14
